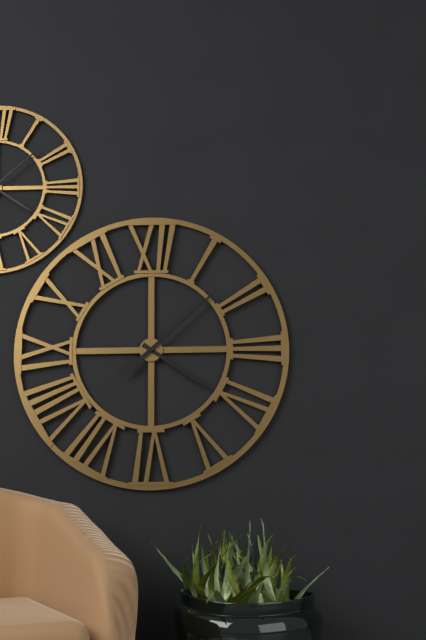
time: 4:08
